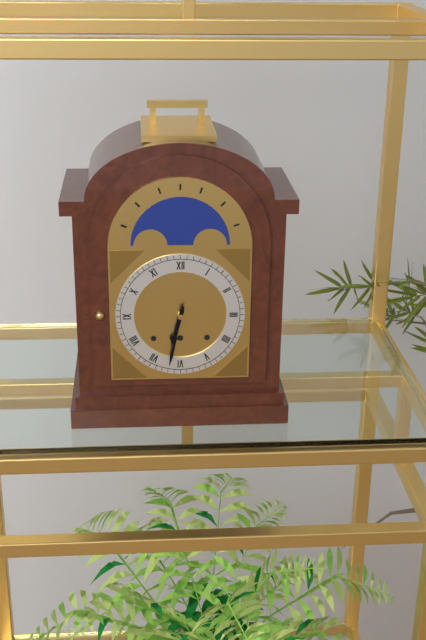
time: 6:32
